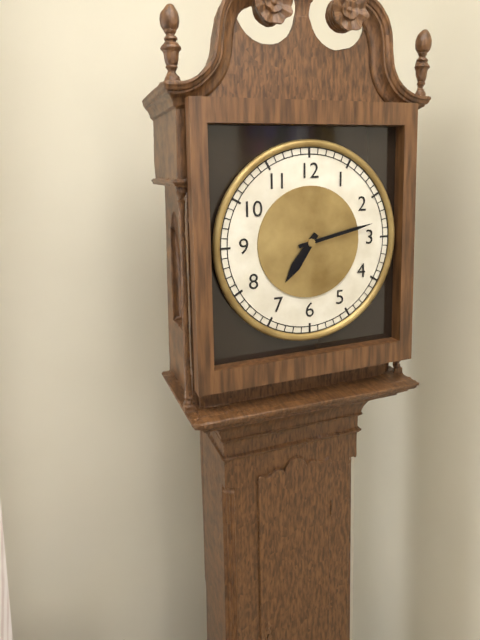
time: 7:13
